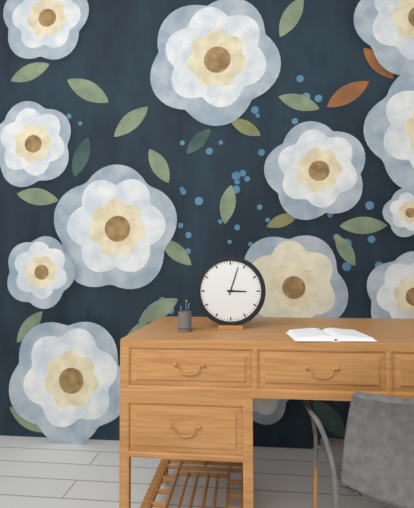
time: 3:03
